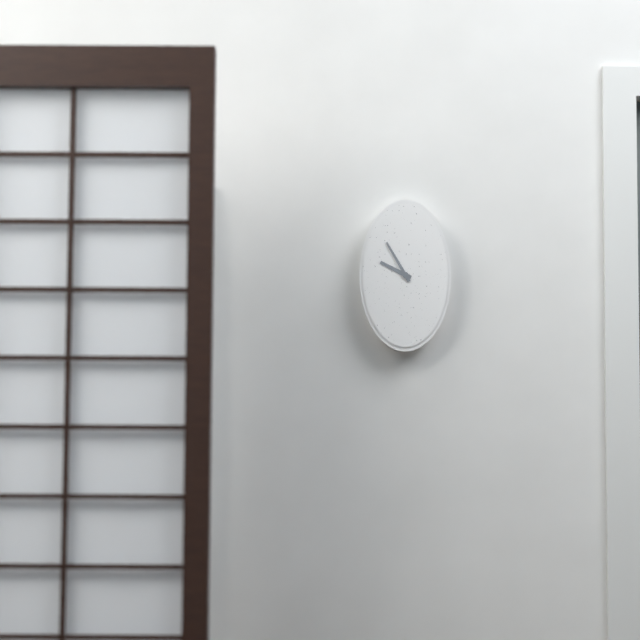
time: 9:55
